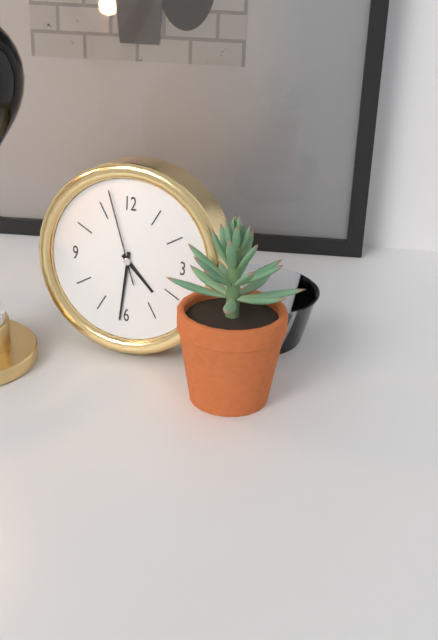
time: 4:31:57
